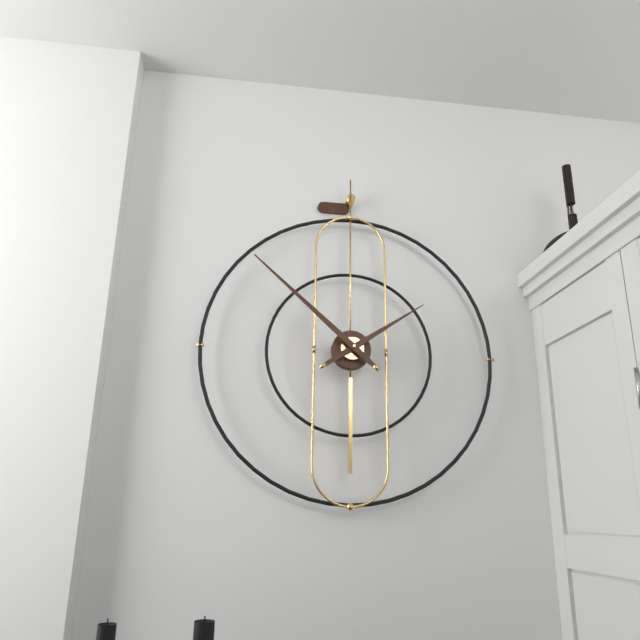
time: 1:52
